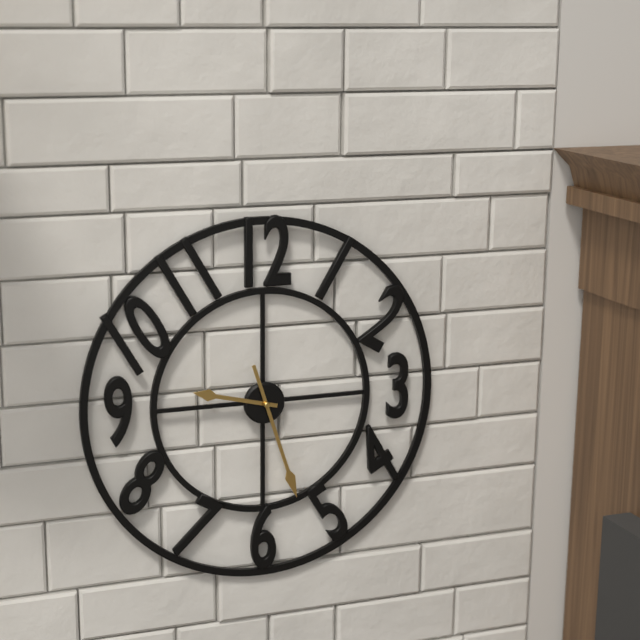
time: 9:27
